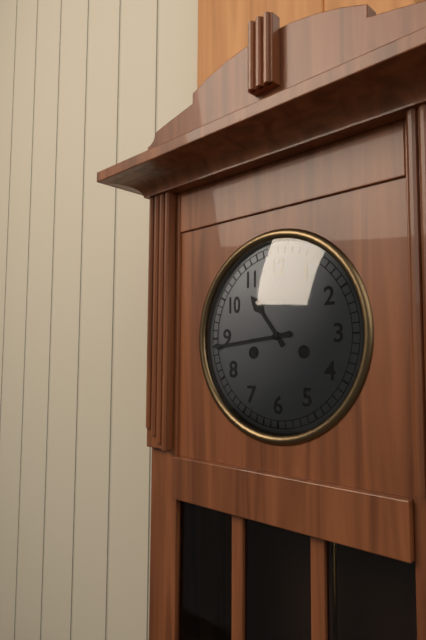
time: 10:44
